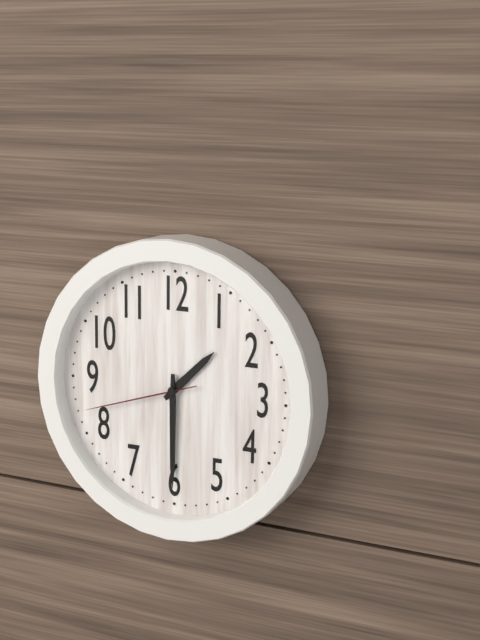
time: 1:30:42
